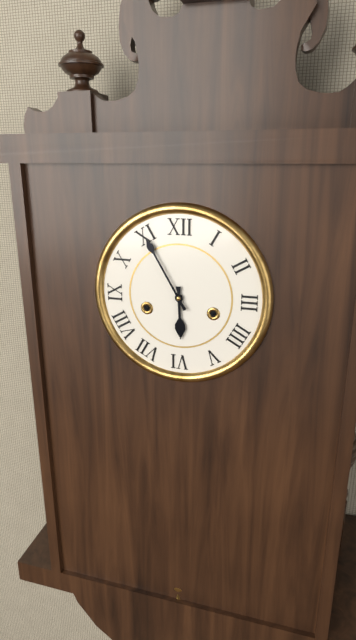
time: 5:55
